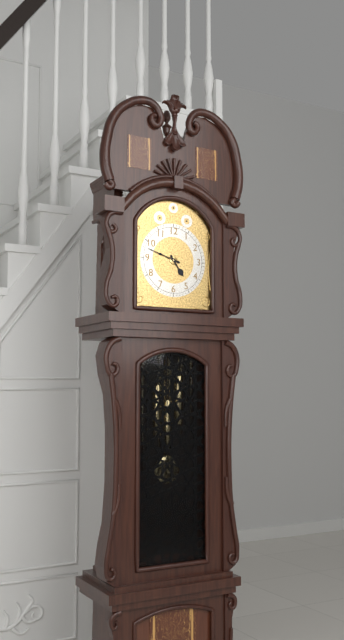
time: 4:48
